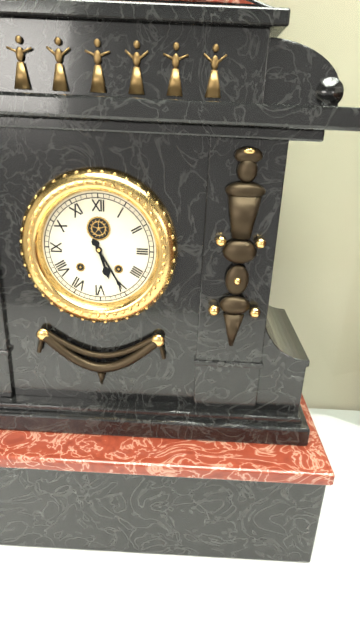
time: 5:25
